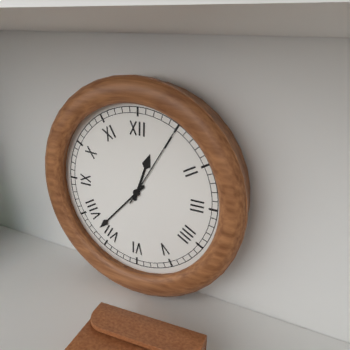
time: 12:37:05
